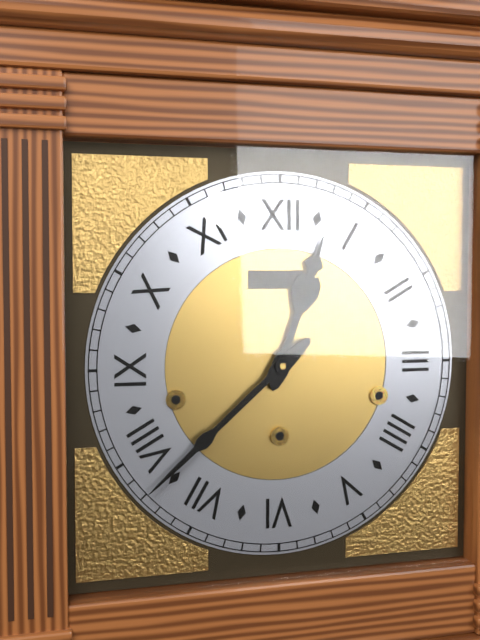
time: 12:38
